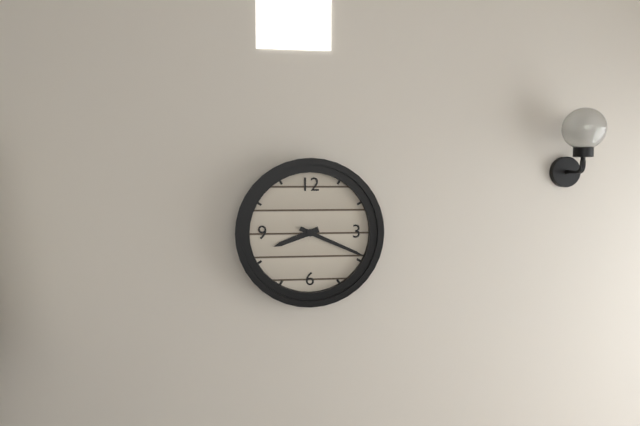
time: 8:19
